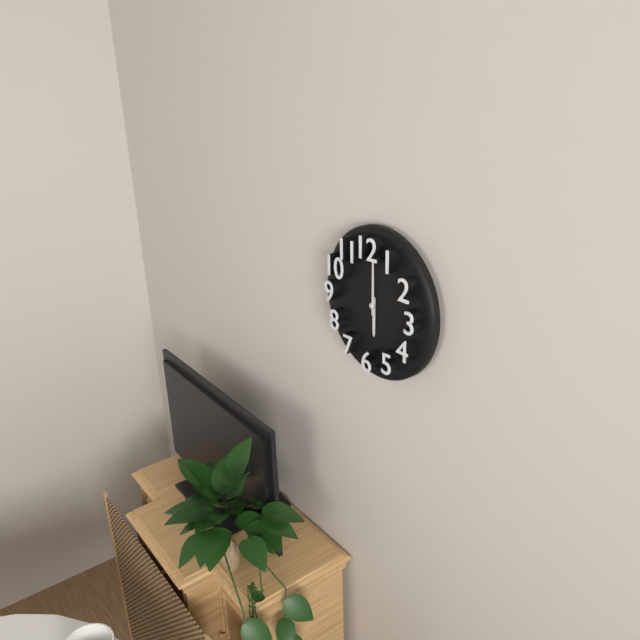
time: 6:00
